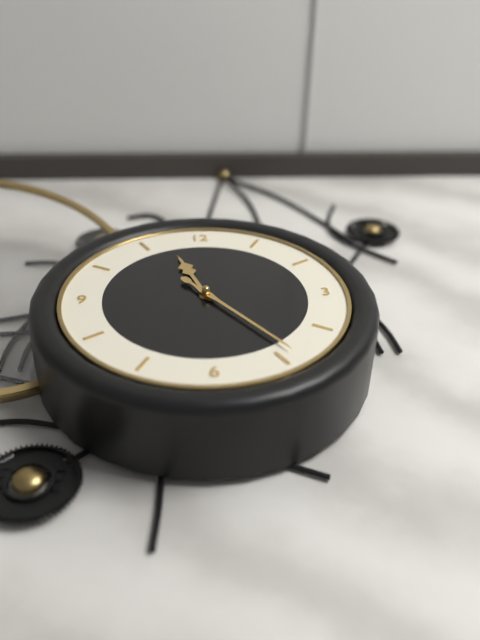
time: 11:24
